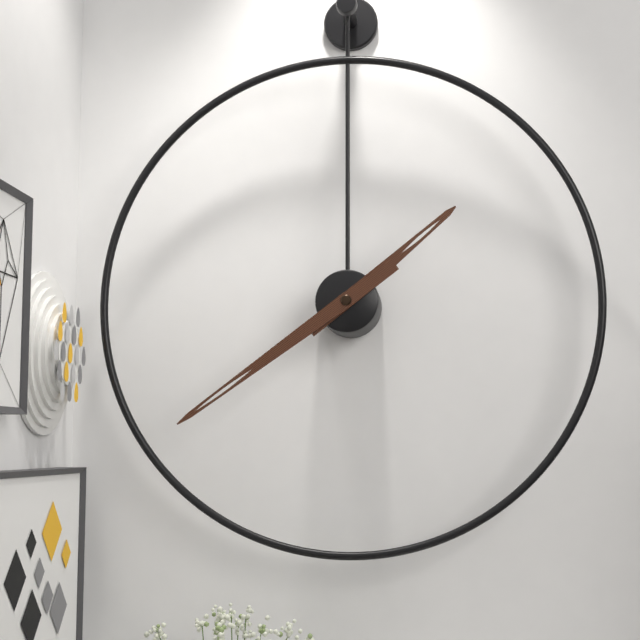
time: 1:39
